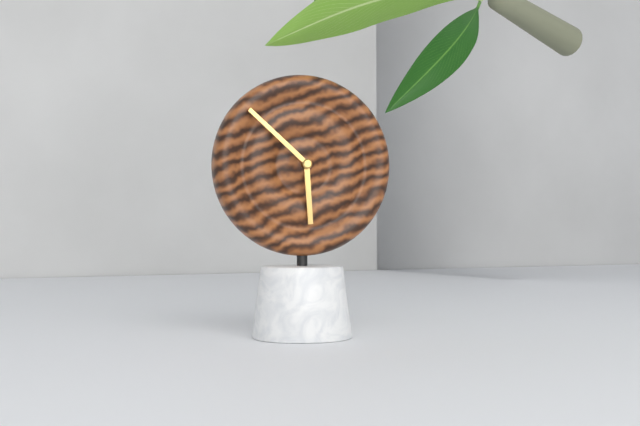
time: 5:52
